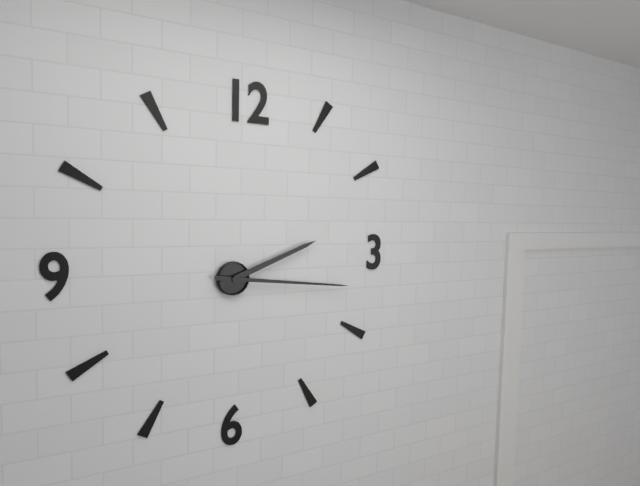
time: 2:16
